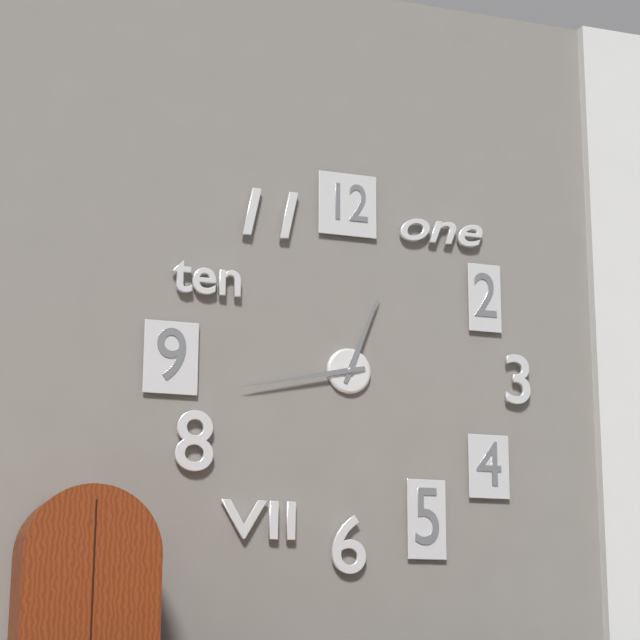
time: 12:43
